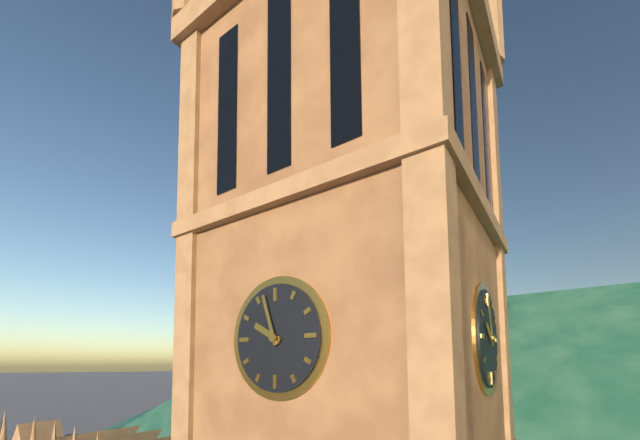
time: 9:57
